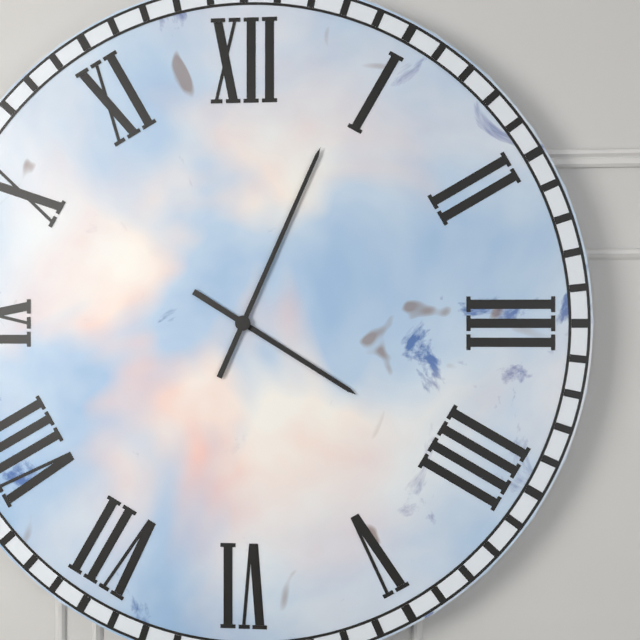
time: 4:04
